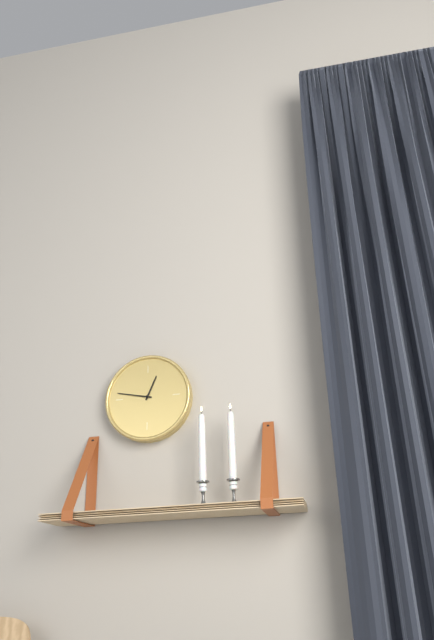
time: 12:47
